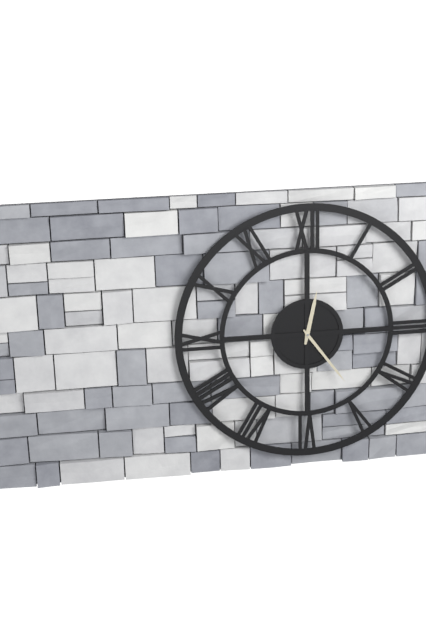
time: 12:24
